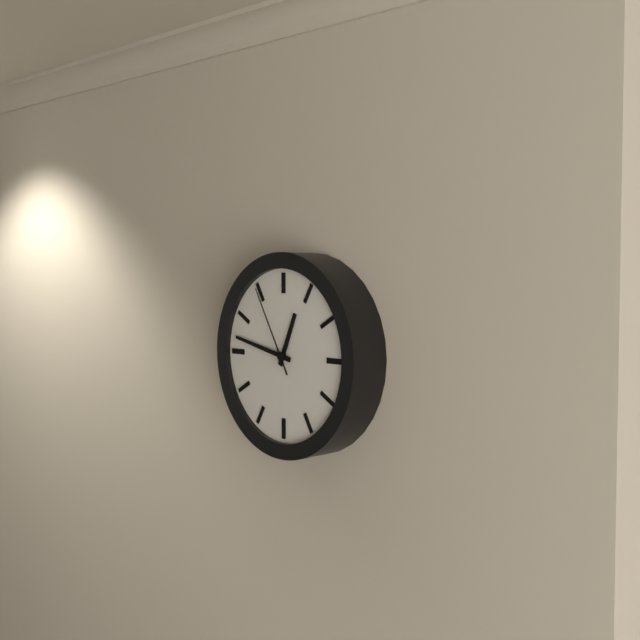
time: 12:47:55
